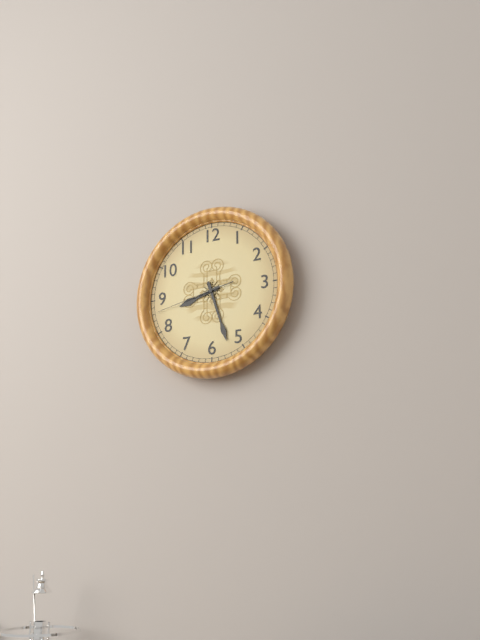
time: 8:27:43
